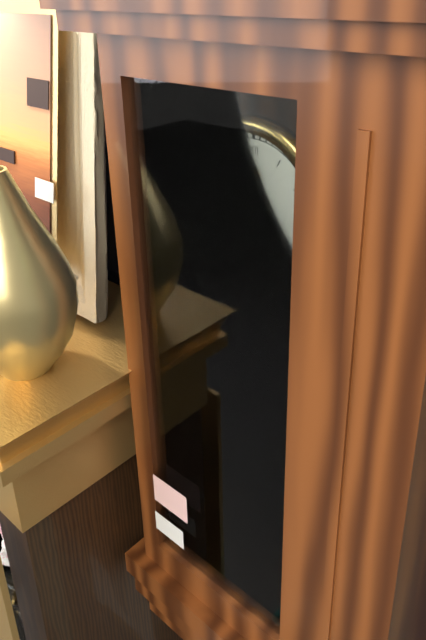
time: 5:32
